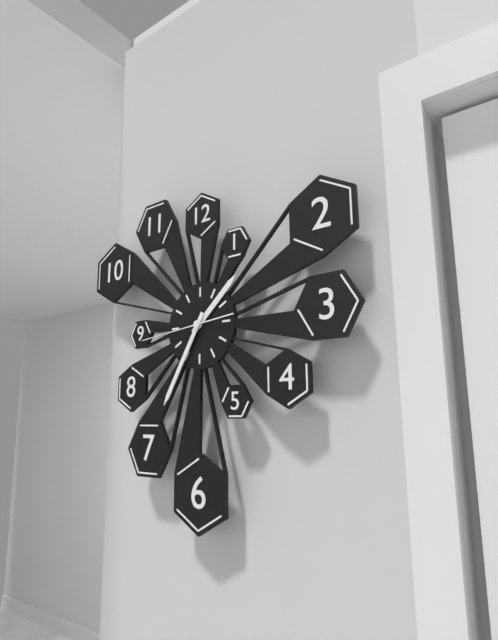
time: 1:35:44
